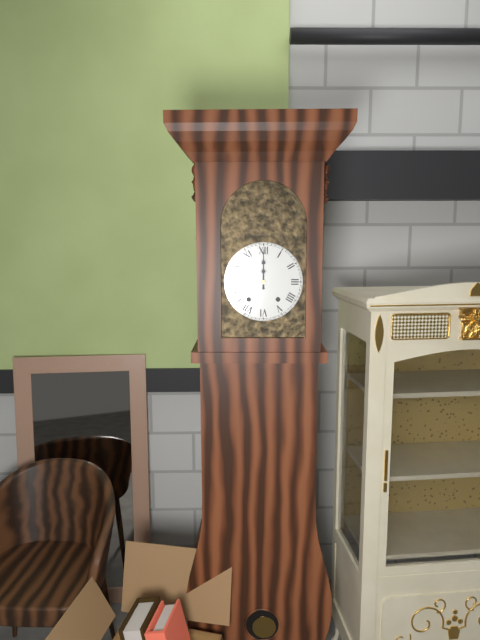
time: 12:00
